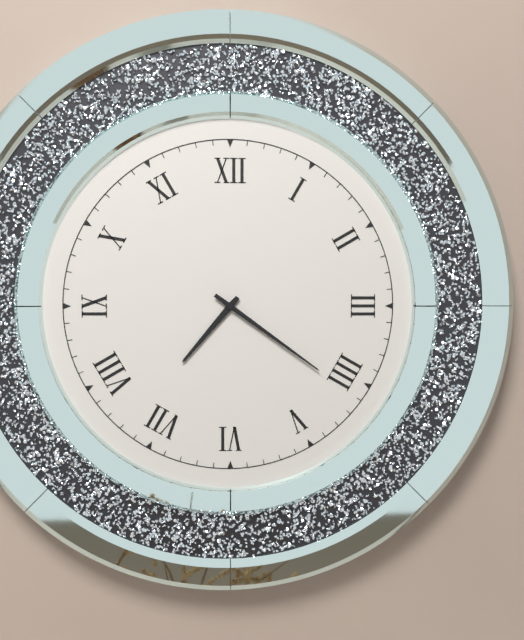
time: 7:21
